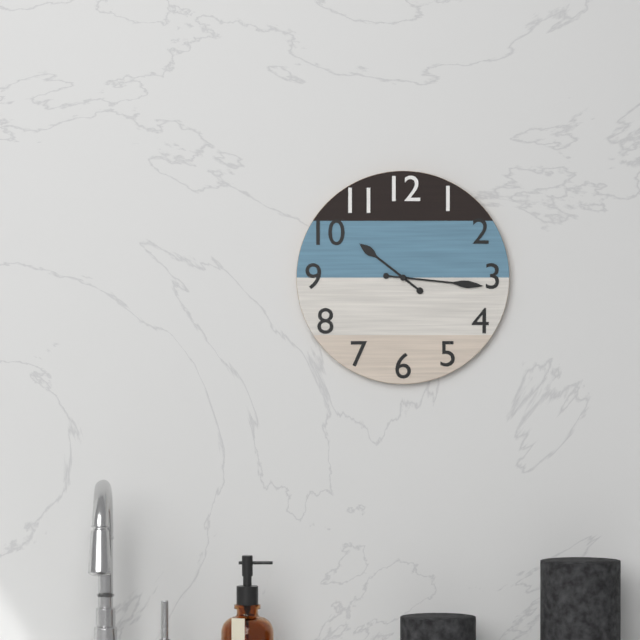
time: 10:16
